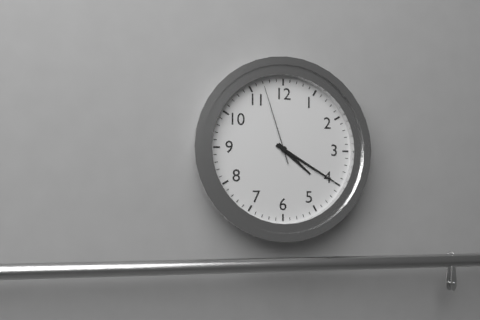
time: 4:20:57
